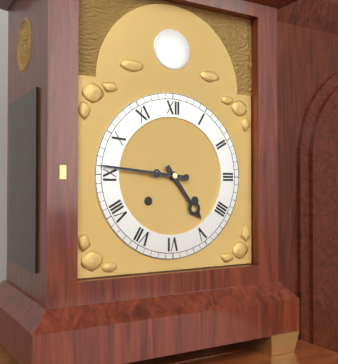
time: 4:46
